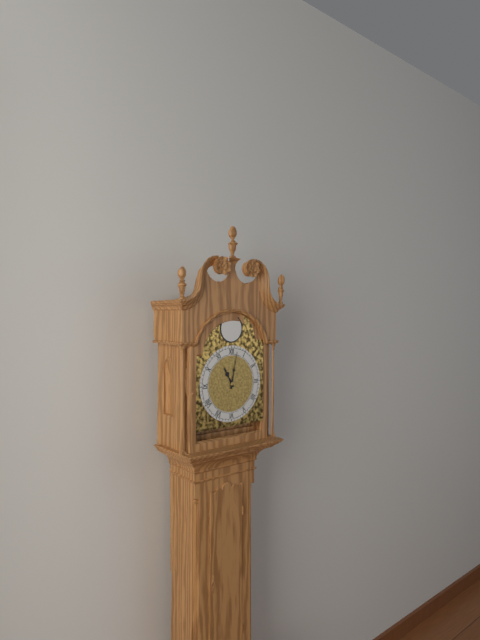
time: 11:02
